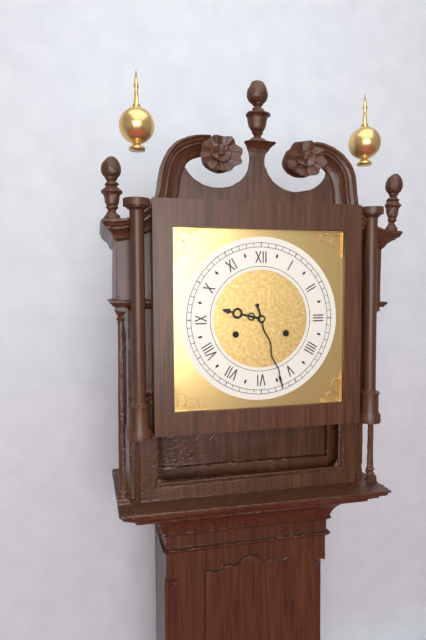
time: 9:27
